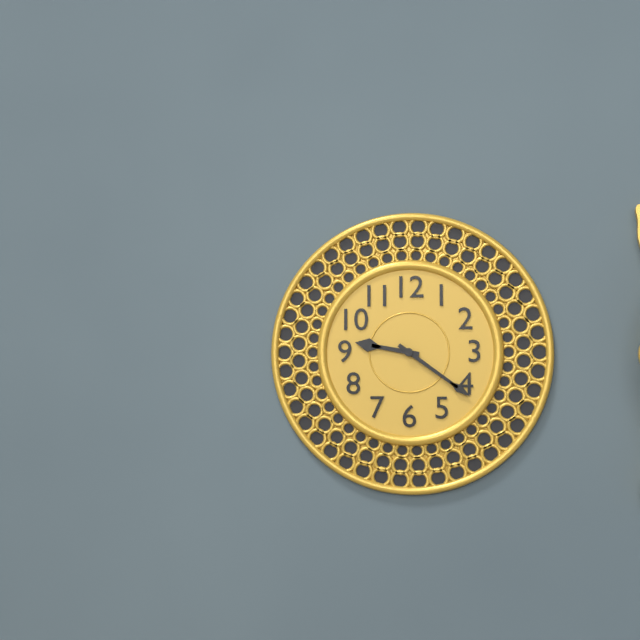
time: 9:21
